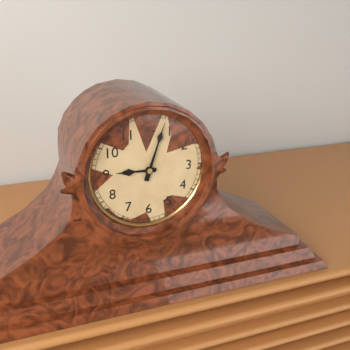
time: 9:03
